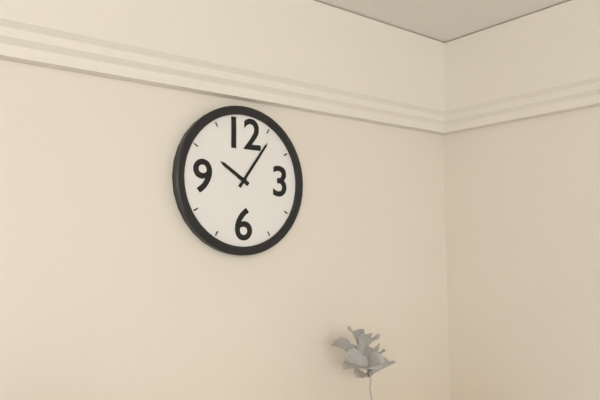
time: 10:06
